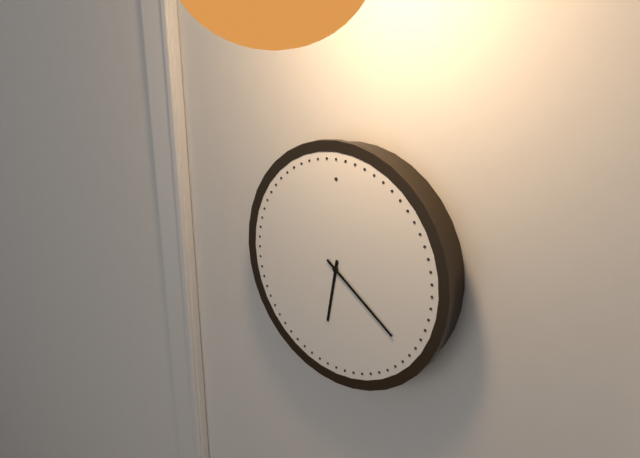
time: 6:21
